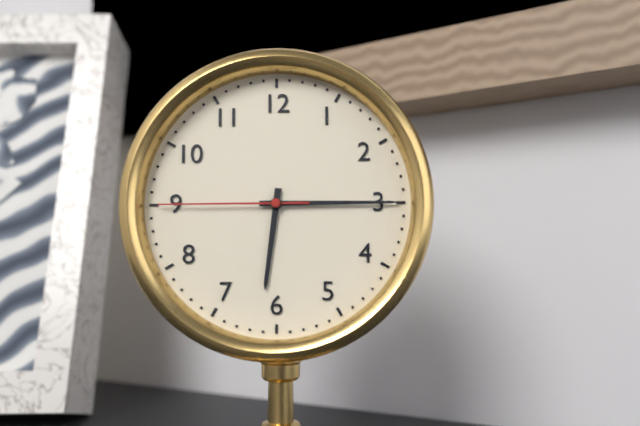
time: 6:15:45
